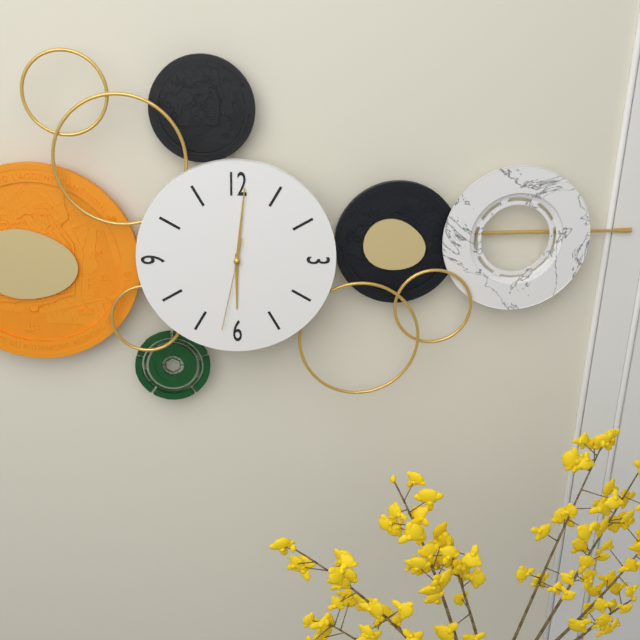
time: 6:01:32
